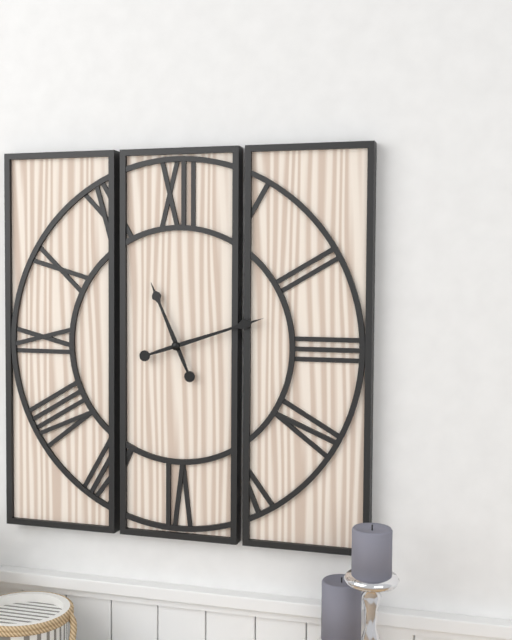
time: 11:12
